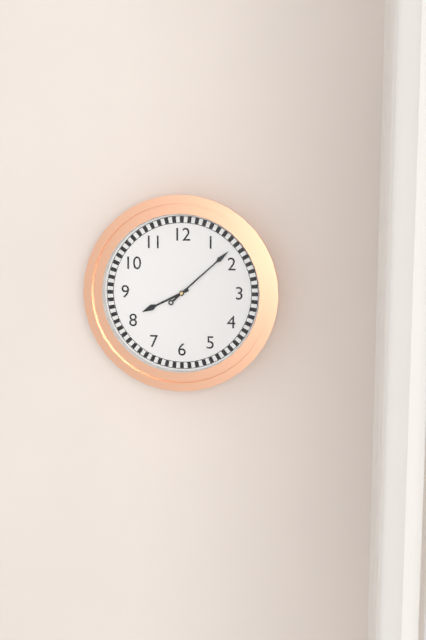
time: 8:08
